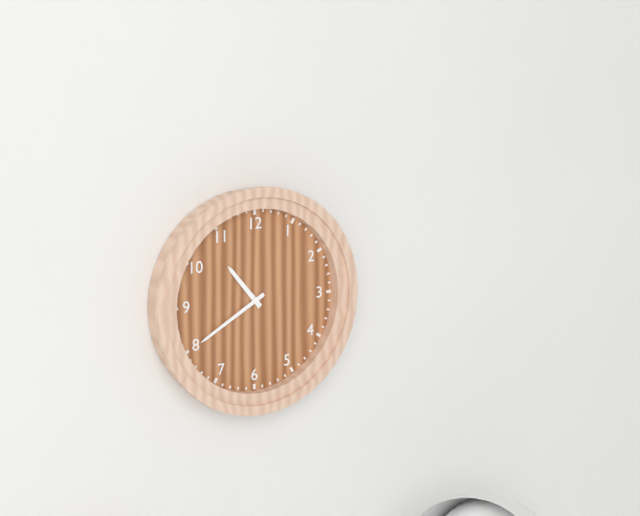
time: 10:40
